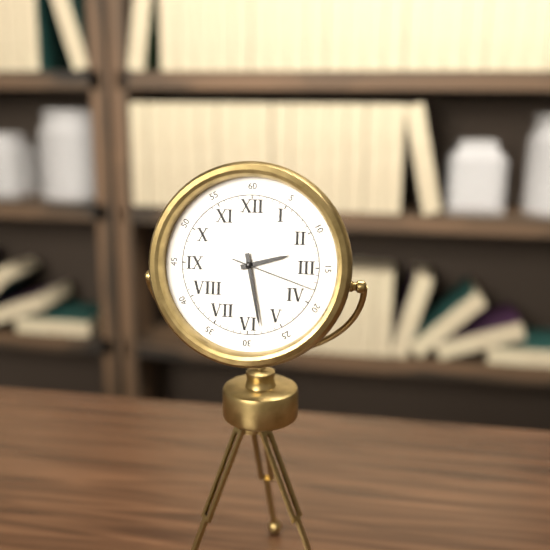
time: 2:28:18
